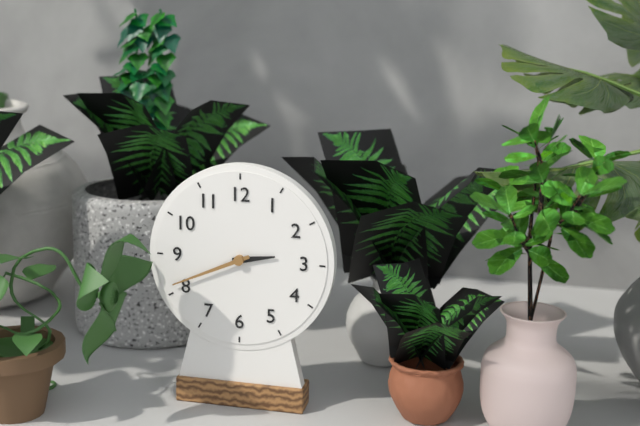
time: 2:41
